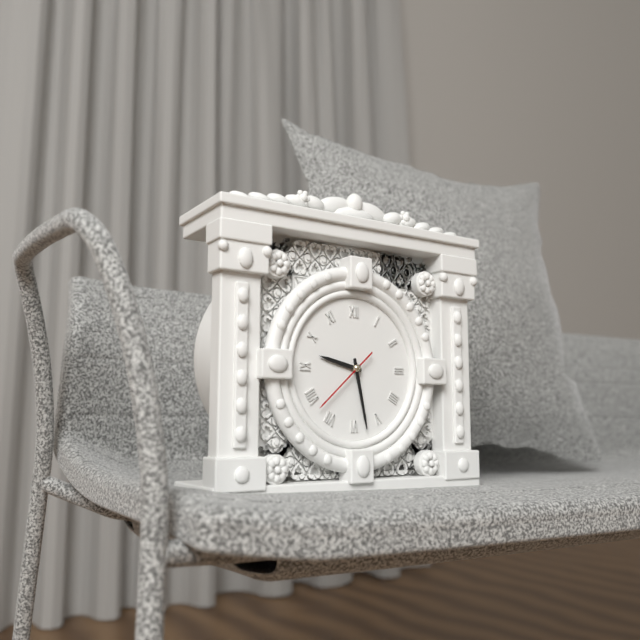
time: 9:28:38
